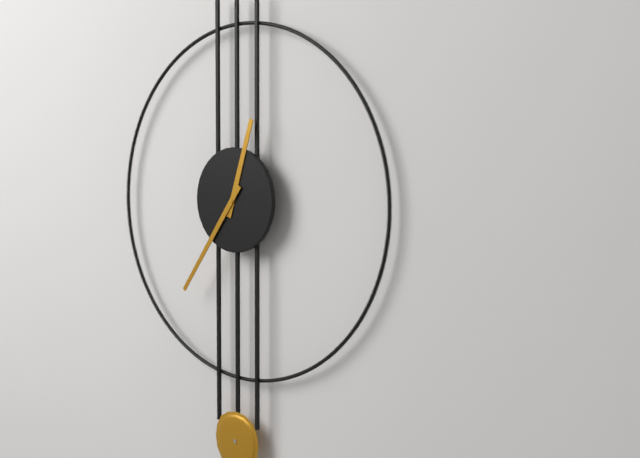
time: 12:36
